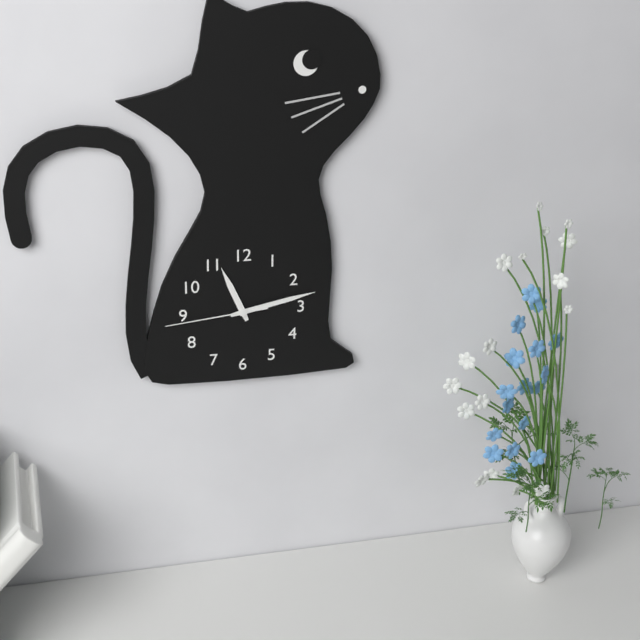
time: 11:13:44
